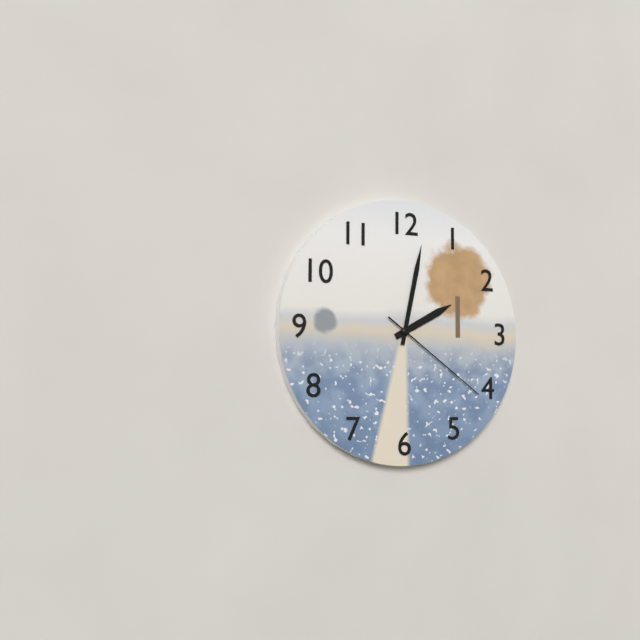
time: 2:02:21
